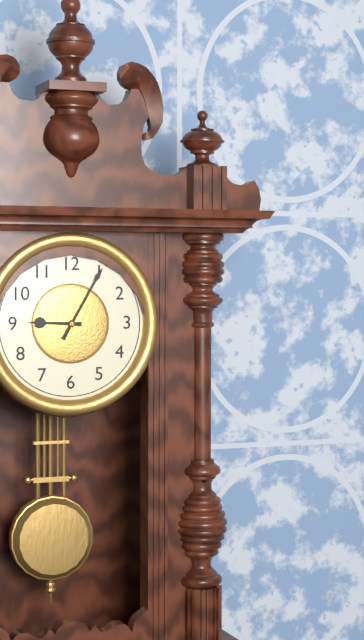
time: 9:05
